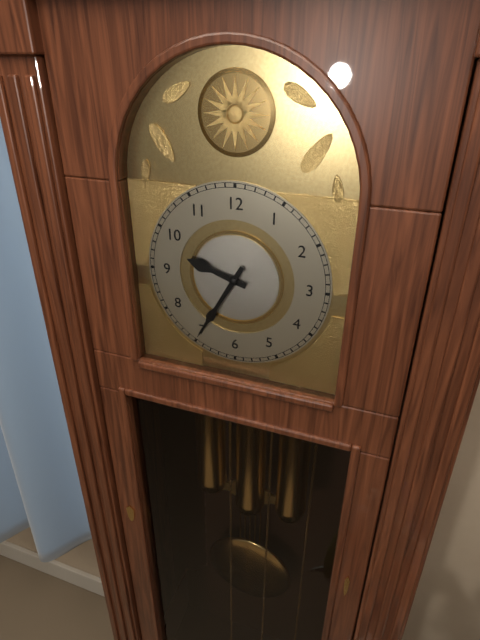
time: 9:35
